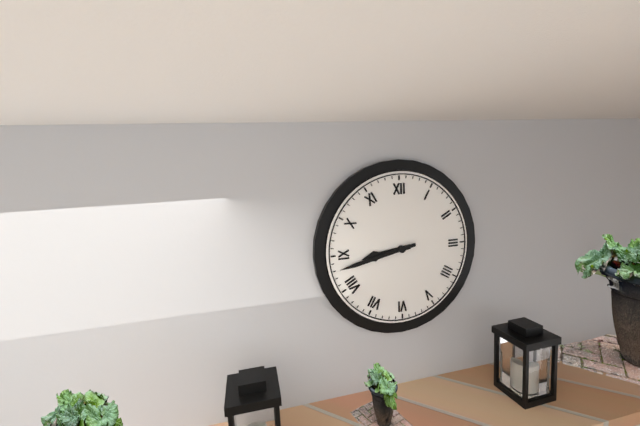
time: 8:43
